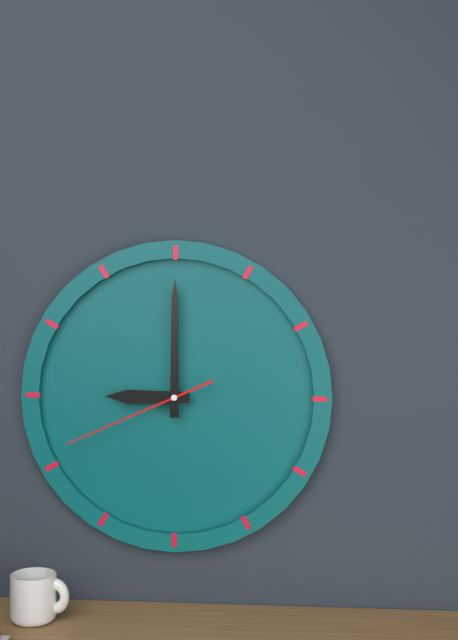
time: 9:00:41
